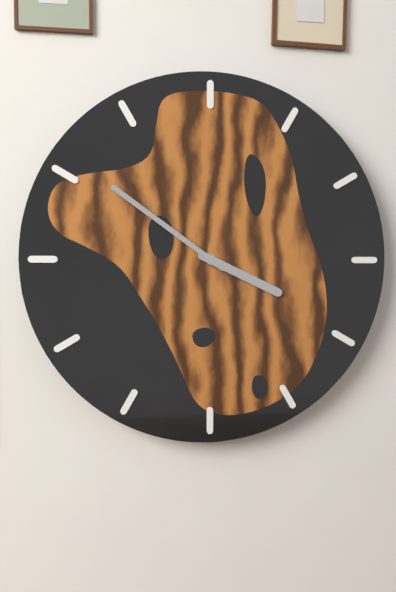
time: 3:51
